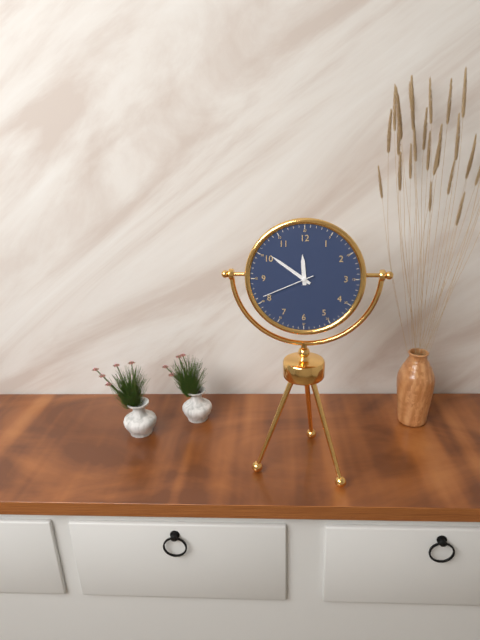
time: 11:51:41
